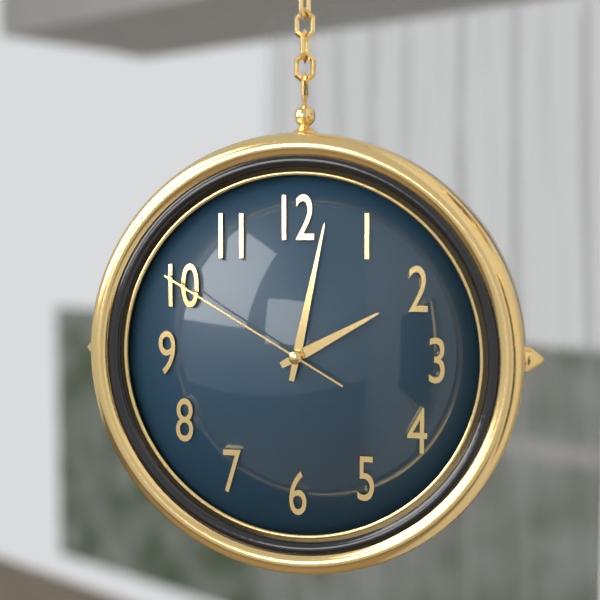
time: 2:02:50
